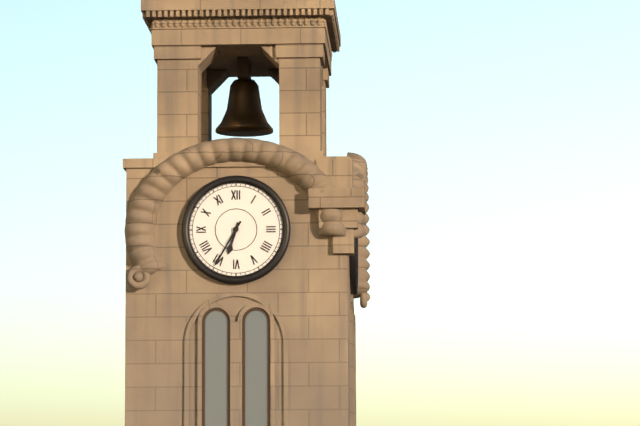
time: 6:35
